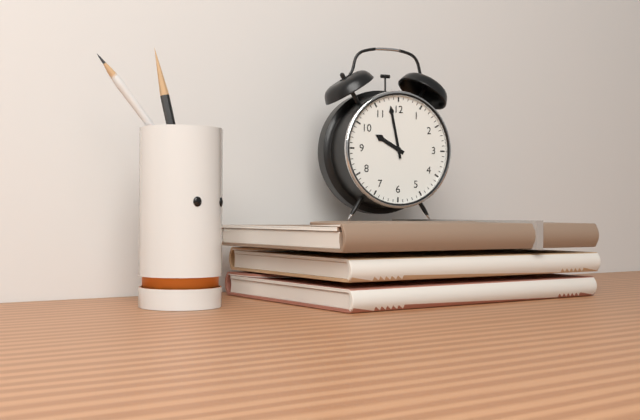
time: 9:58
